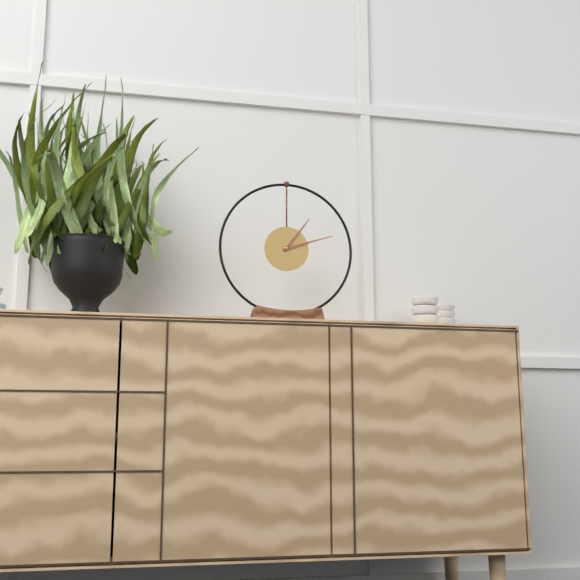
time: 1:12
